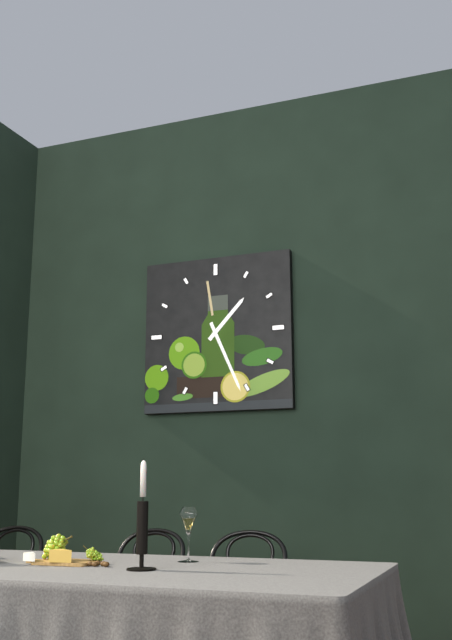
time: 1:26
